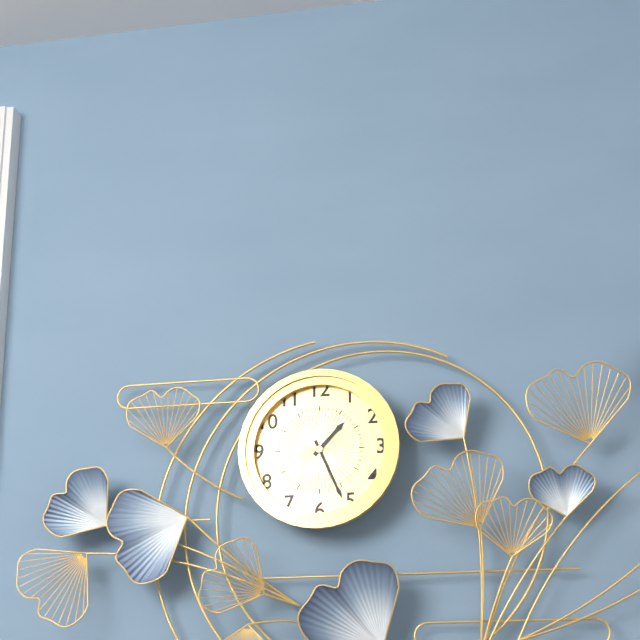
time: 1:26
